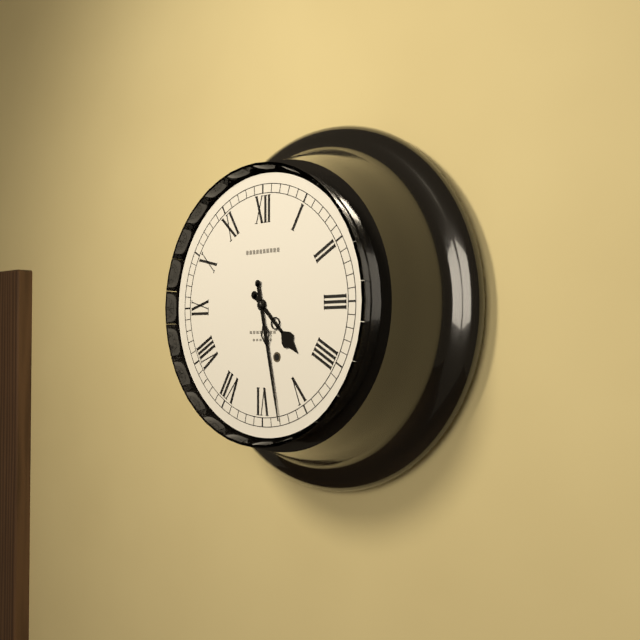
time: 4:28
